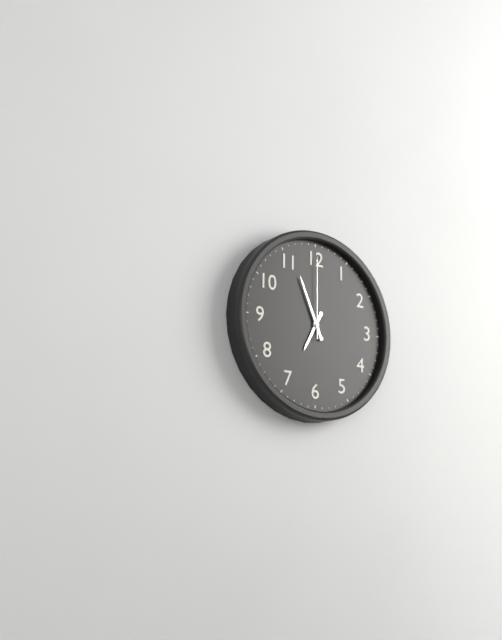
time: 6:56:00
